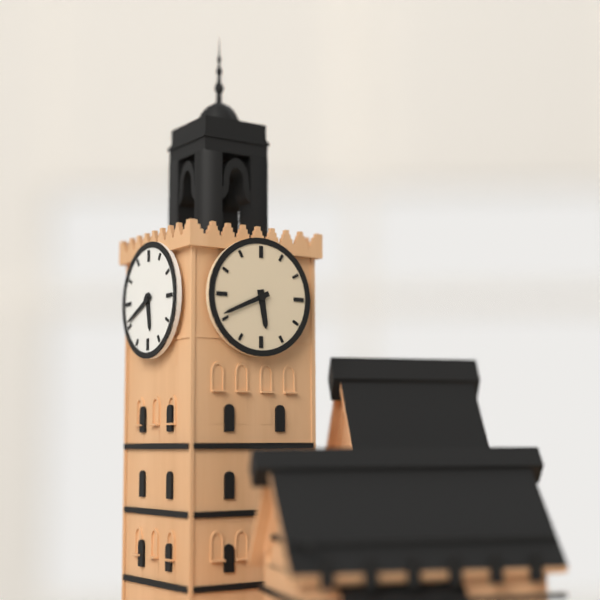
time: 5:41
